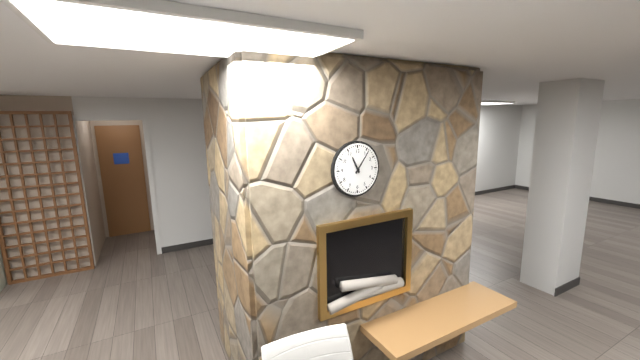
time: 11:06
